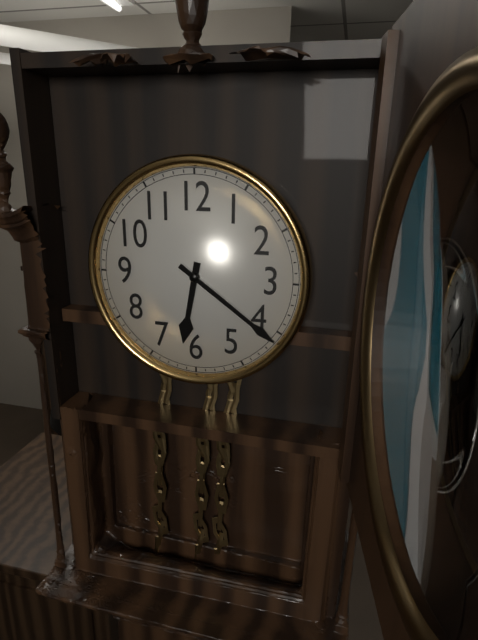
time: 6:21
